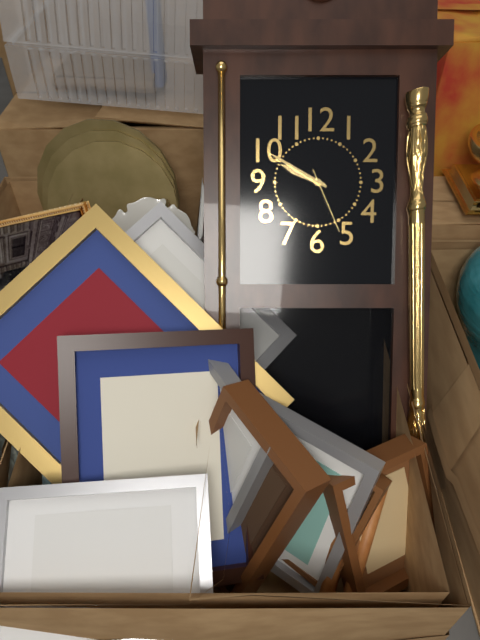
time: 9:50:26
